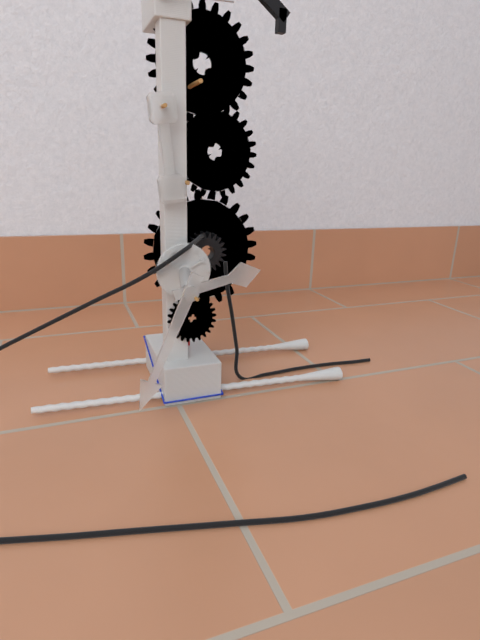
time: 2:34
